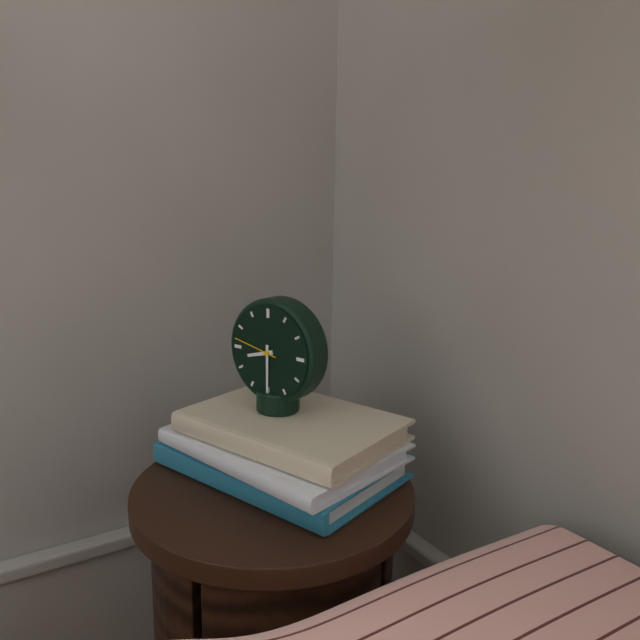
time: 8:30:47
